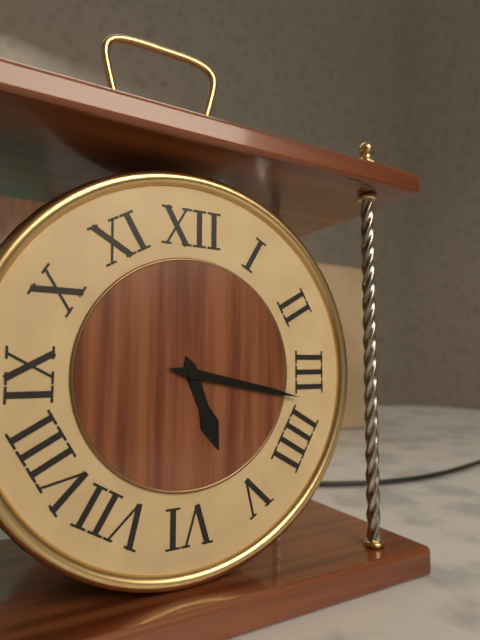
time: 5:17
